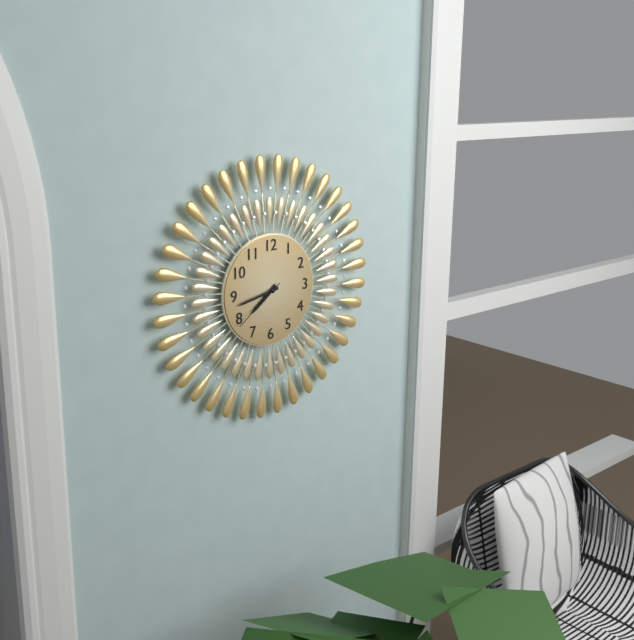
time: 7:43:39
